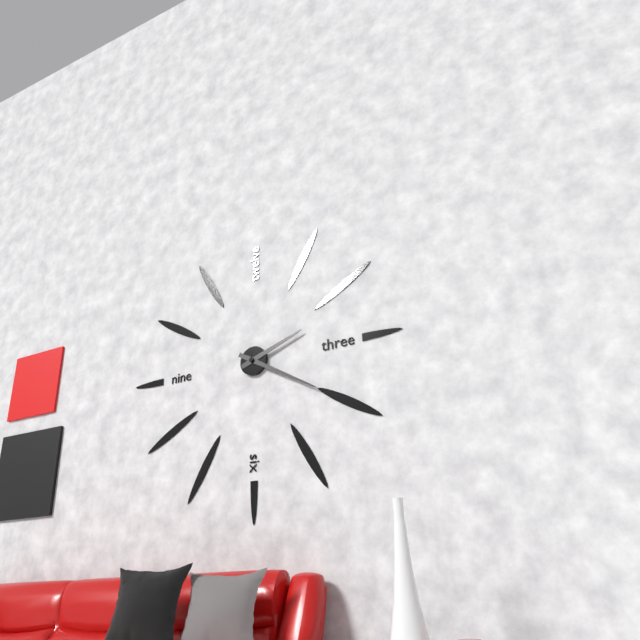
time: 2:20
